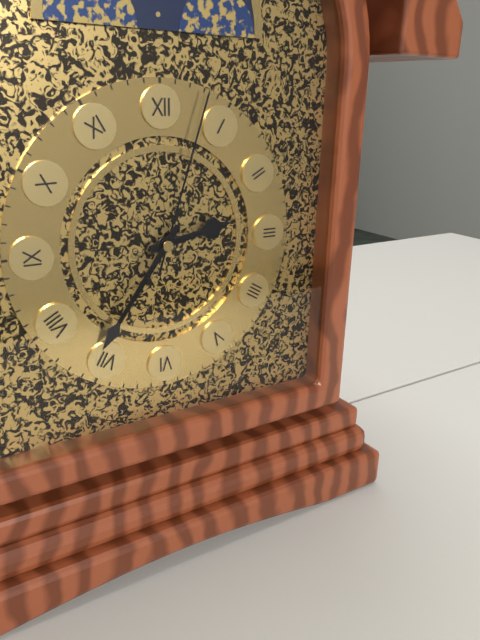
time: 2:36:03
